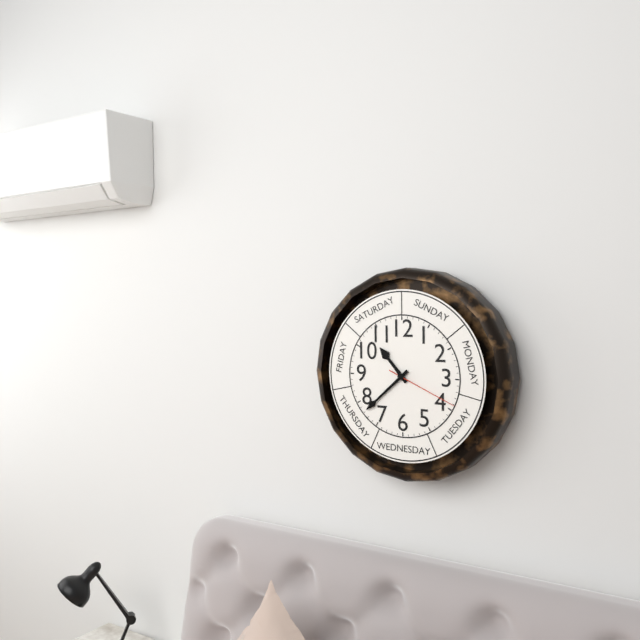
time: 10:38:19
